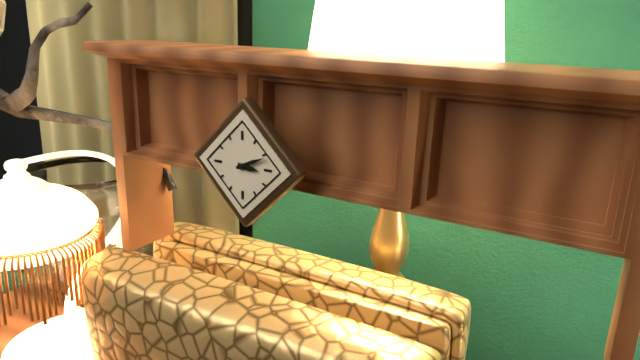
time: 3:11
